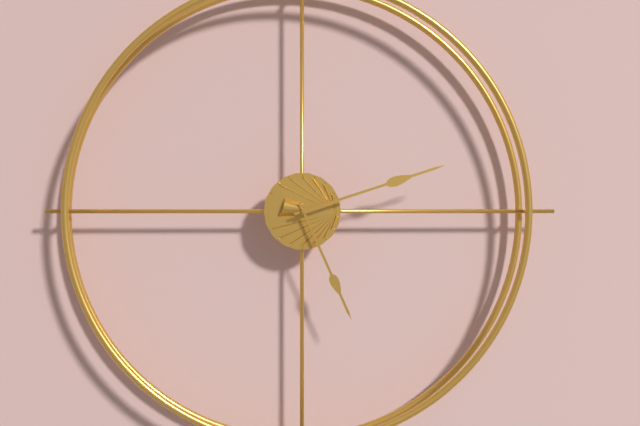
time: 5:12
